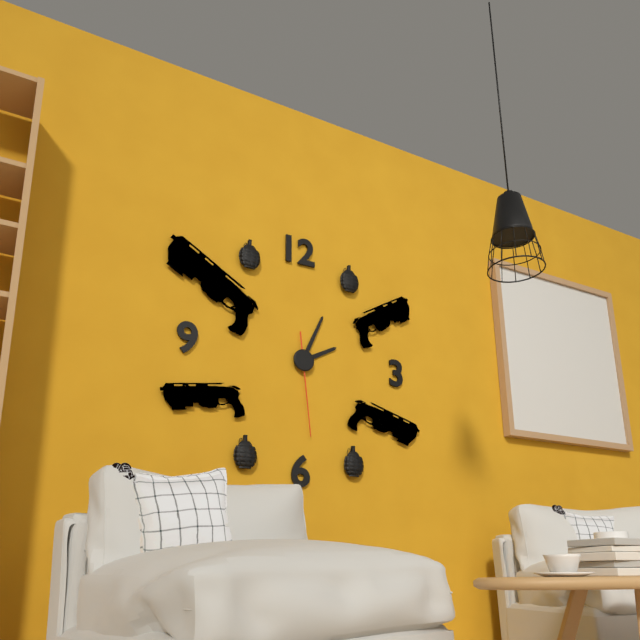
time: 2:04:29
